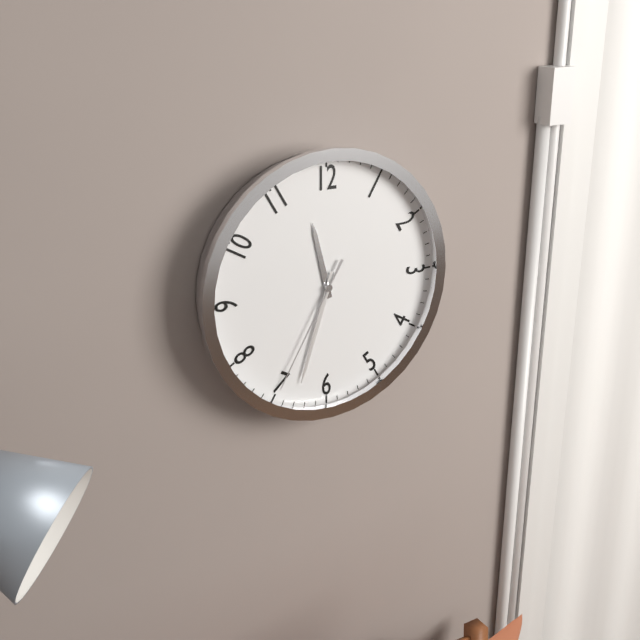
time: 11:33:35
